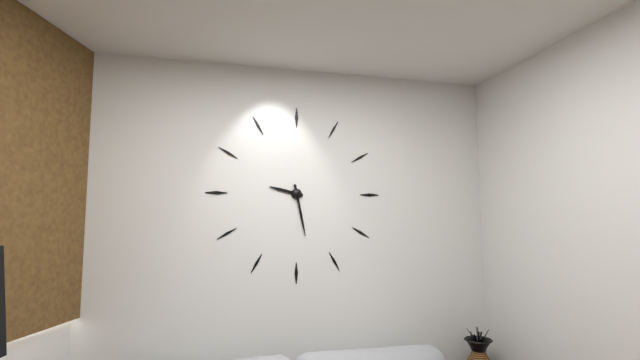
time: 9:28
